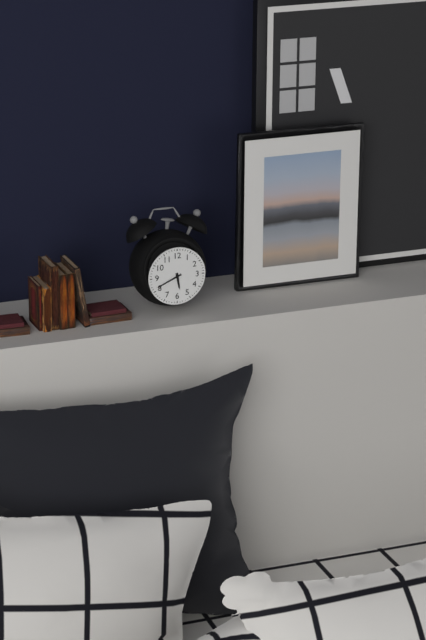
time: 5:41
